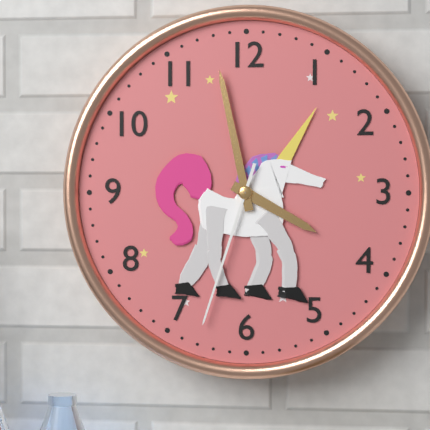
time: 3:58:33
